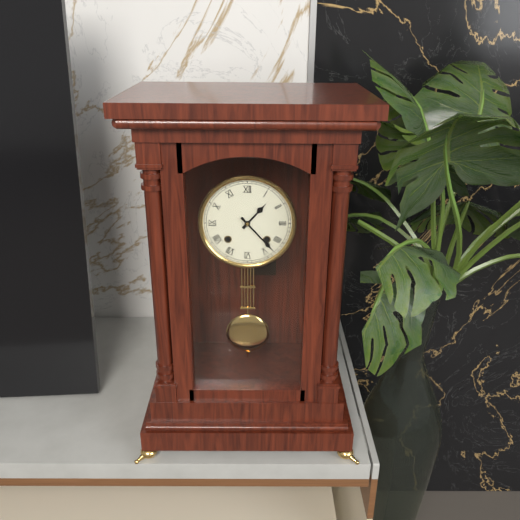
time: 1:23
